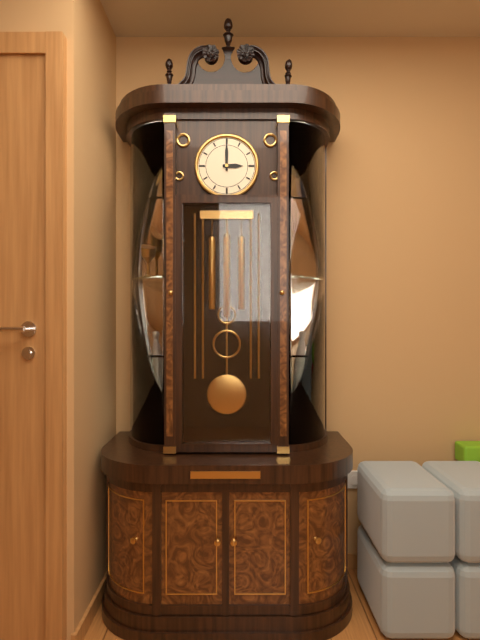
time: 3:00
